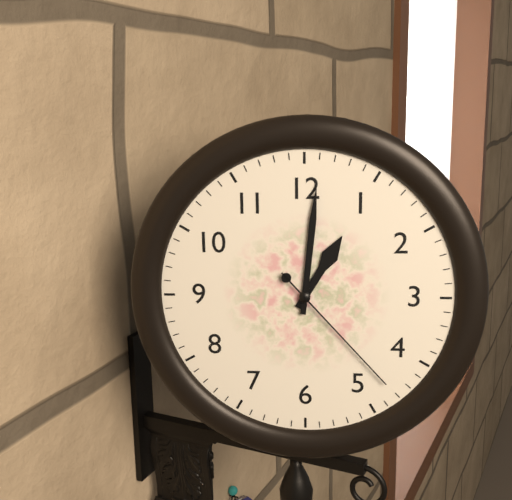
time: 1:01:23
